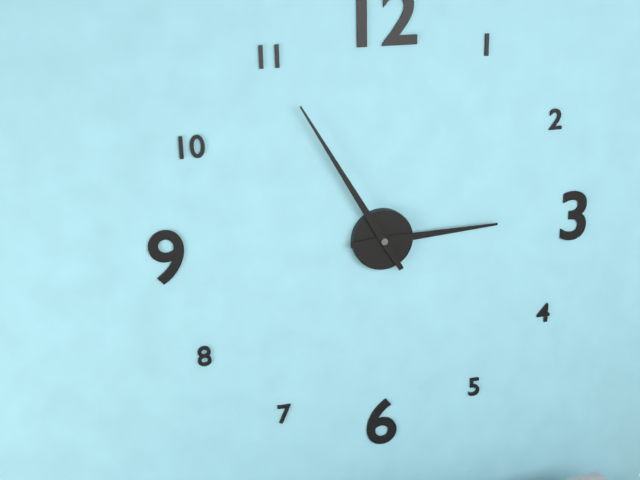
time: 2:55
